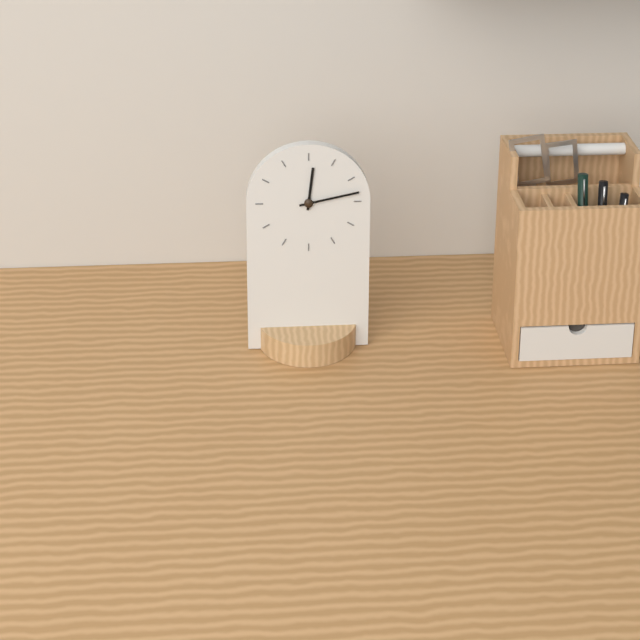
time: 12:13
